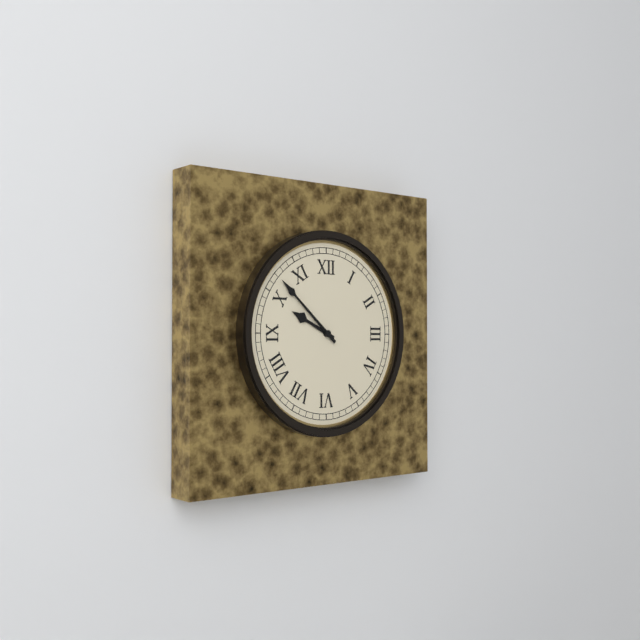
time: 9:52
